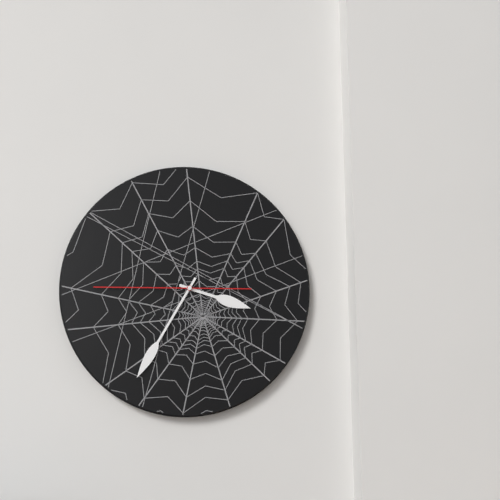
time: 3:35:45
